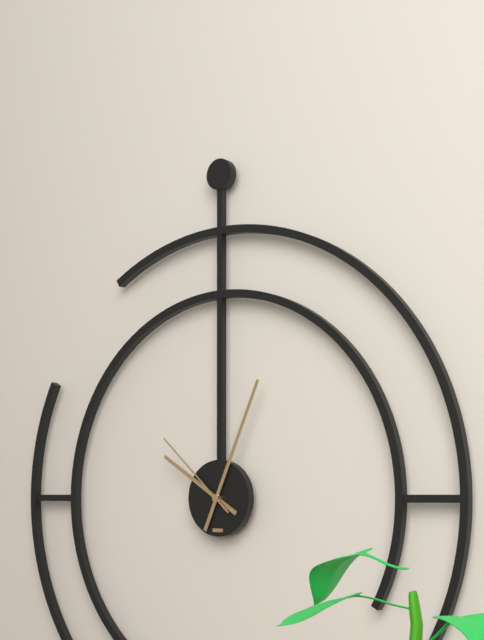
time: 10:04:52
